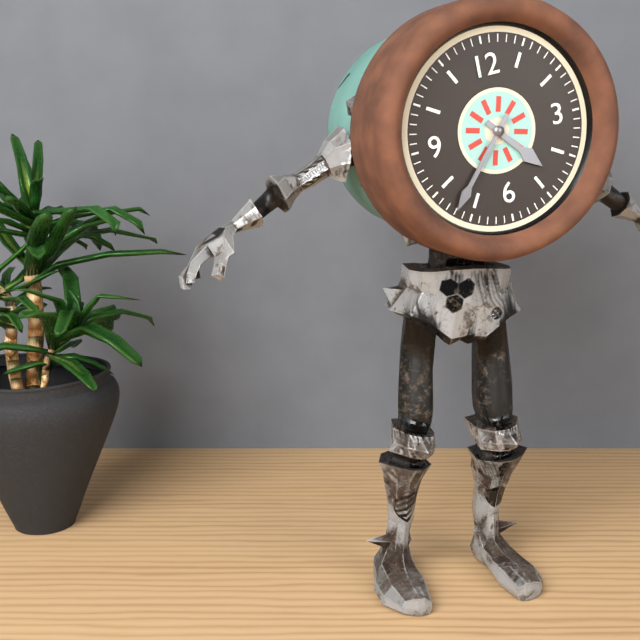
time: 4:37
